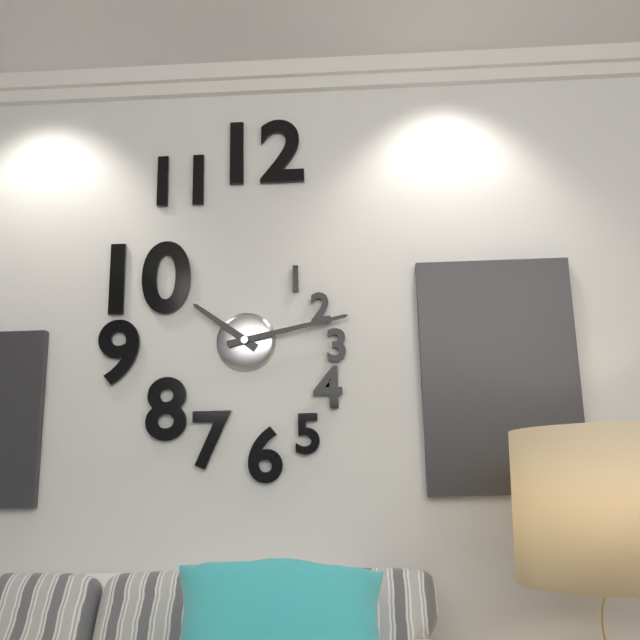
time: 10:13
